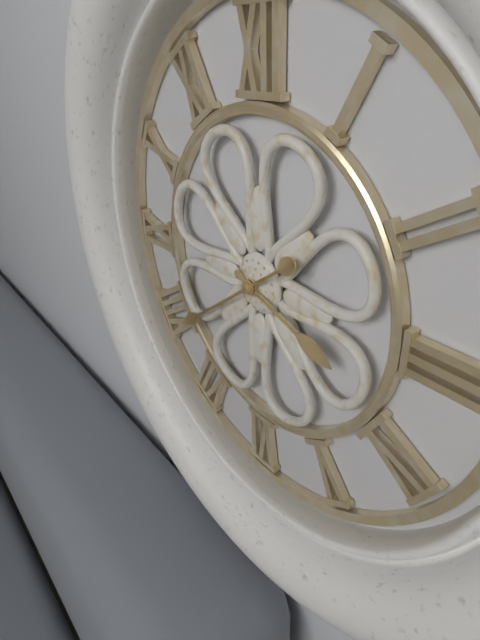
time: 3:39
